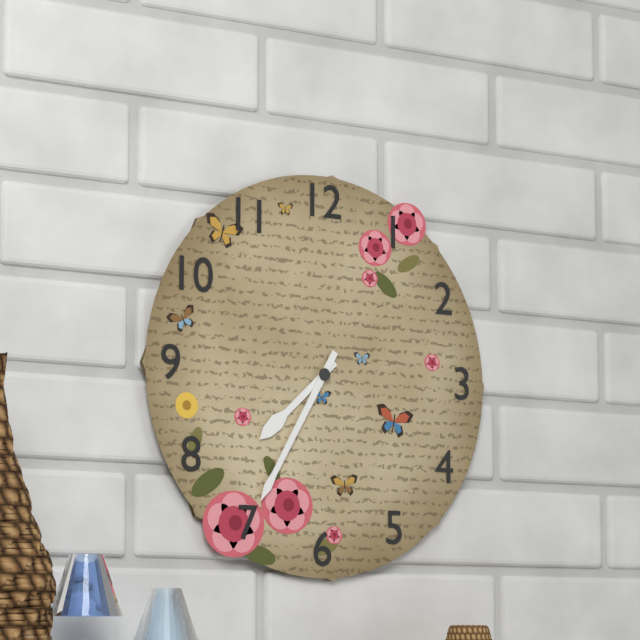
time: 7:35
